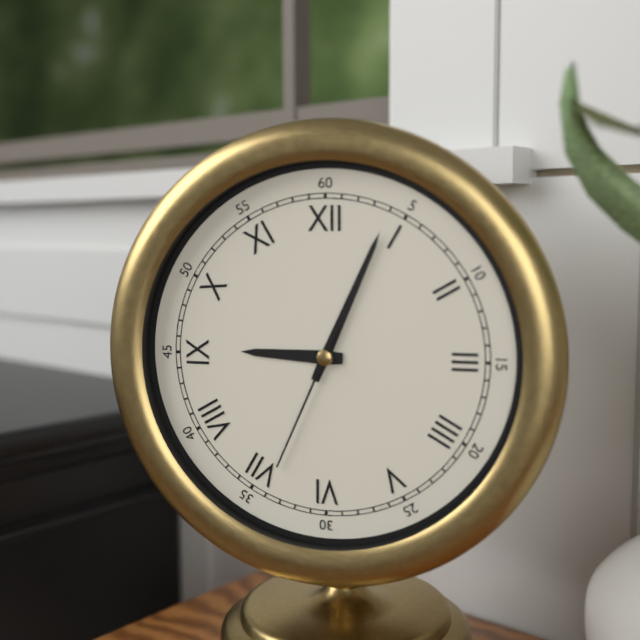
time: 9:04:34
